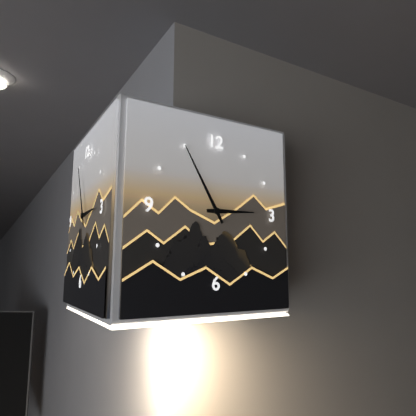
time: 2:55
